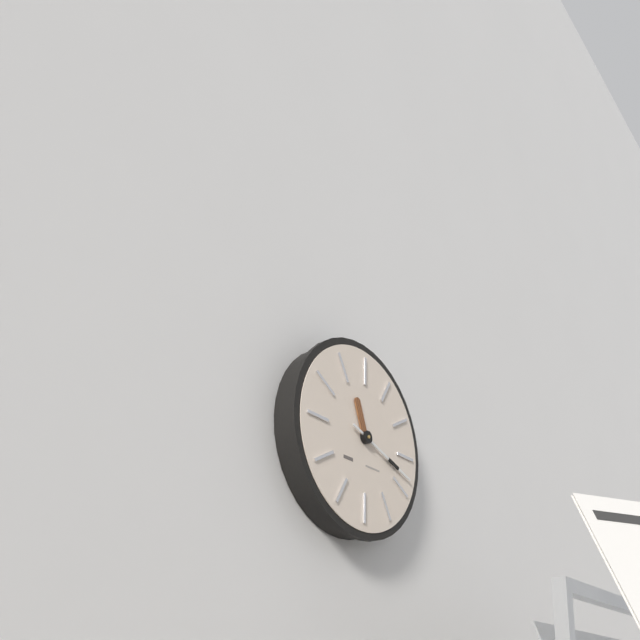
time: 11:18
